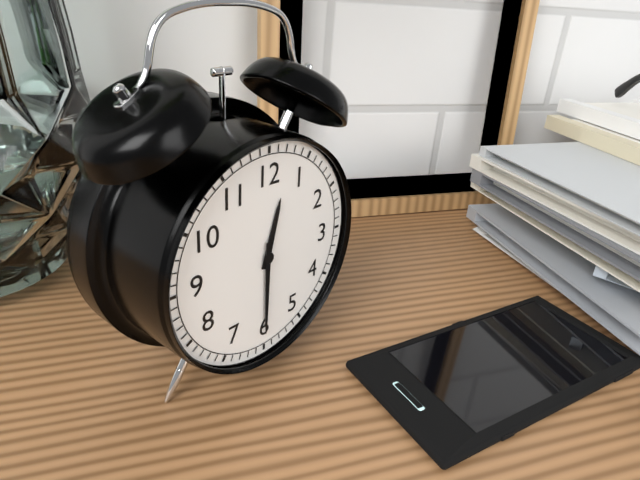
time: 12:30
